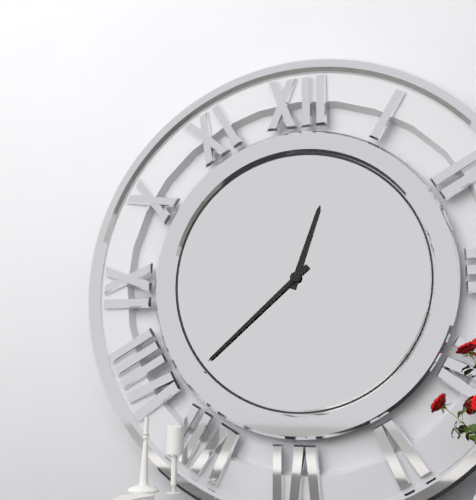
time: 12:38
